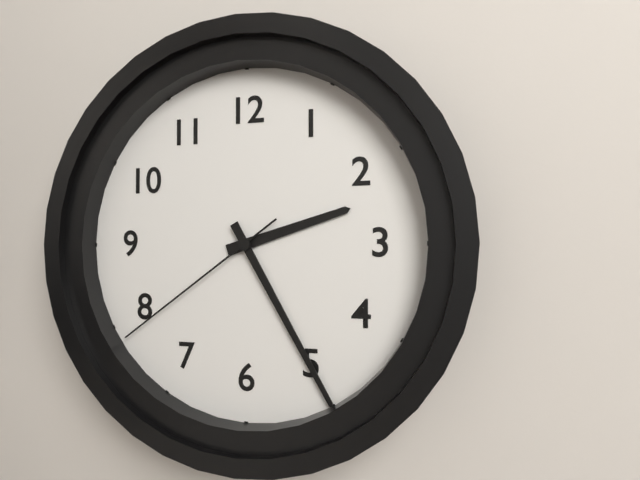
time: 2:25:39
